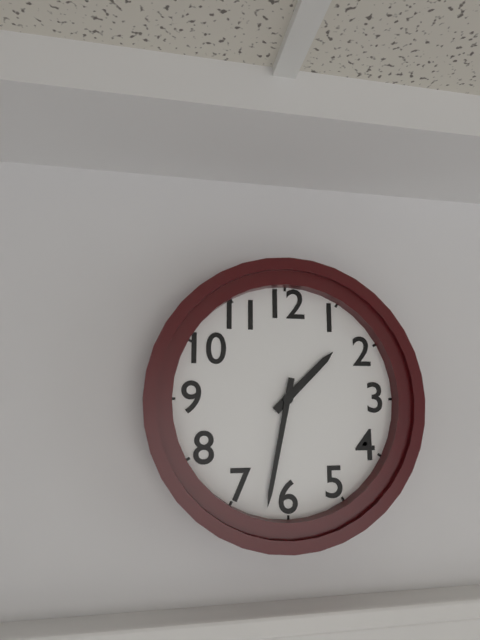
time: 1:32
